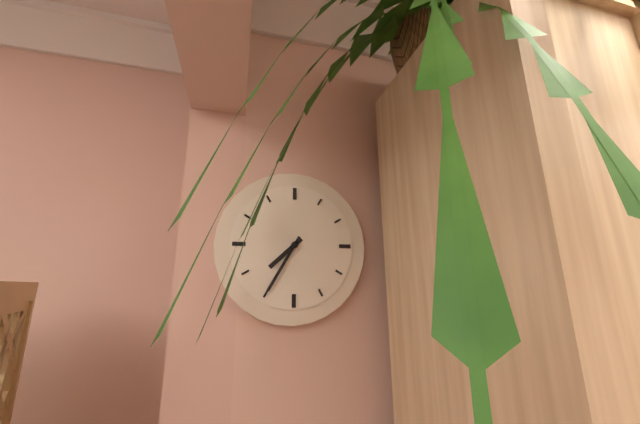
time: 7:35
